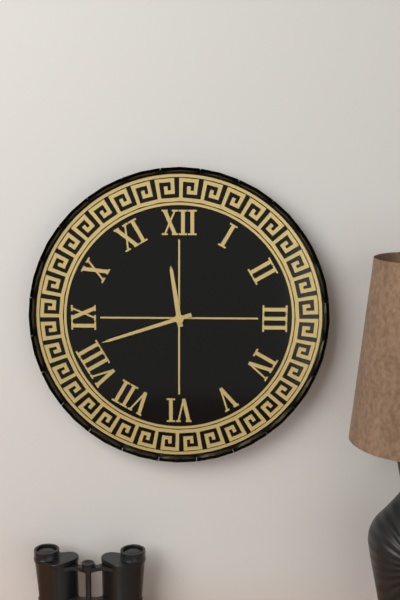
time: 11:42
